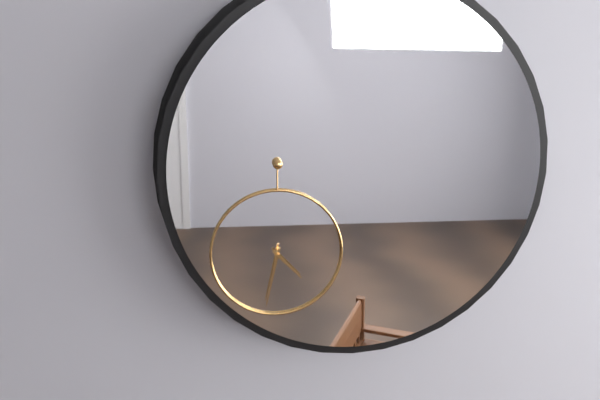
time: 4:32
